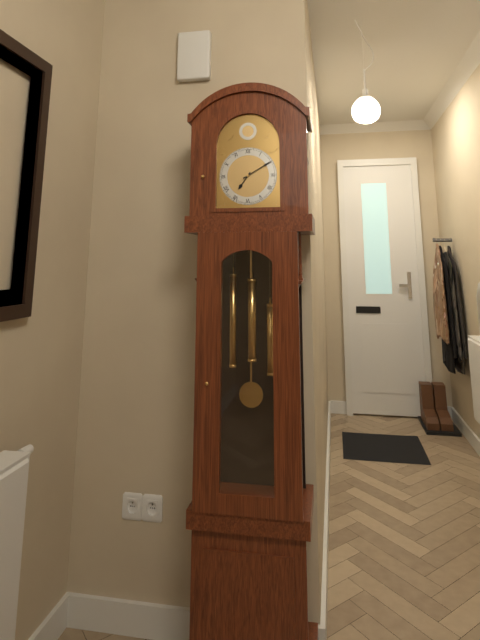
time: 7:10
